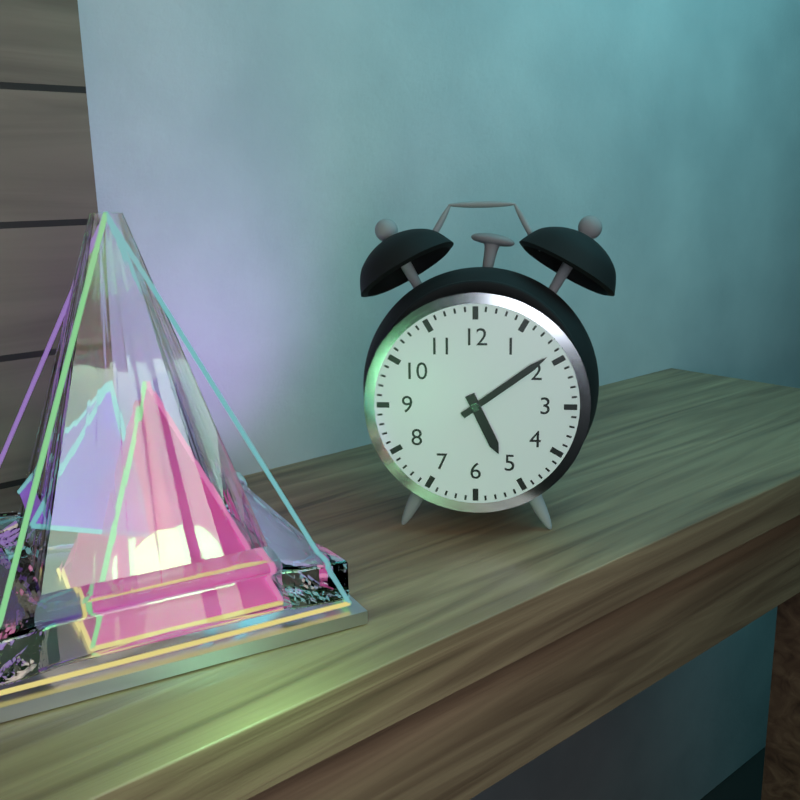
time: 5:09
